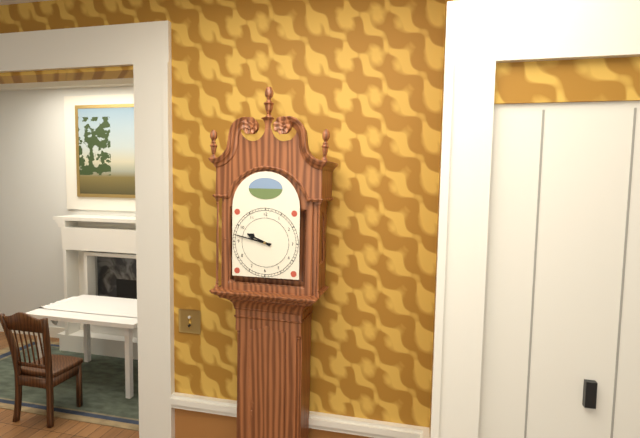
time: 9:47
